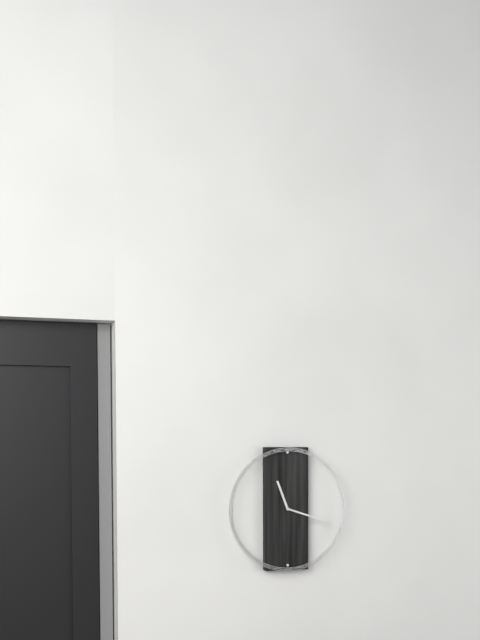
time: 11:18
